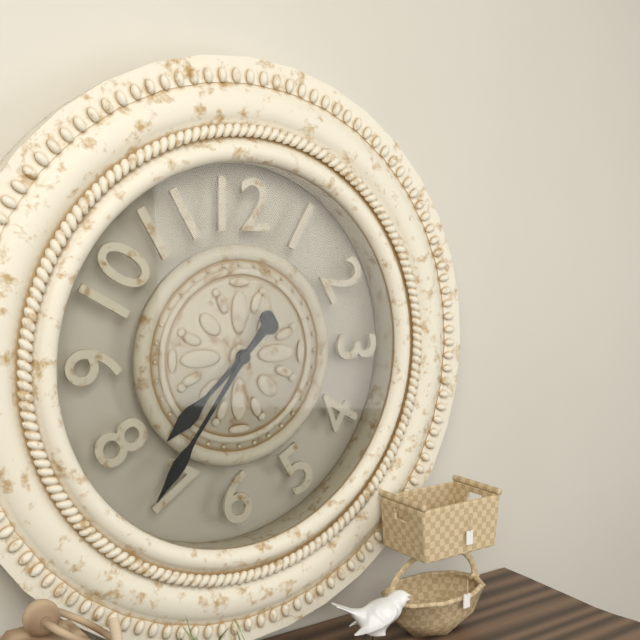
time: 7:36
